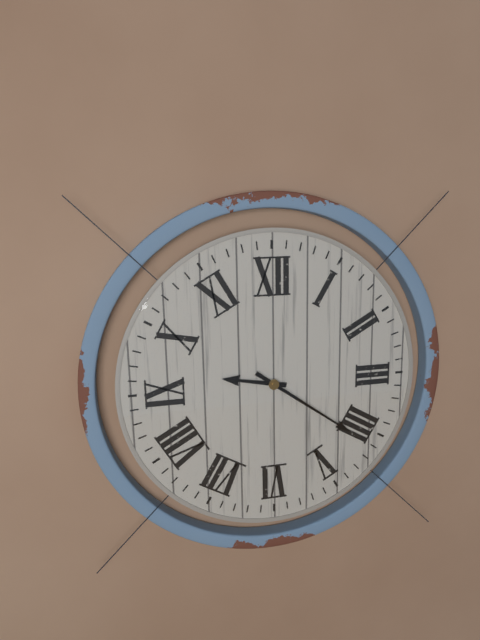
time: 9:21
